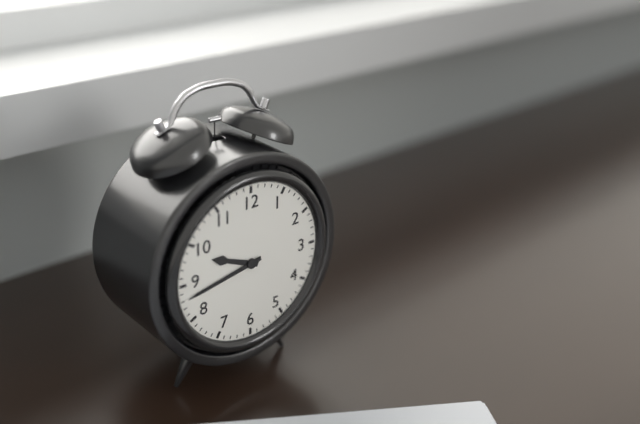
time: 9:43
